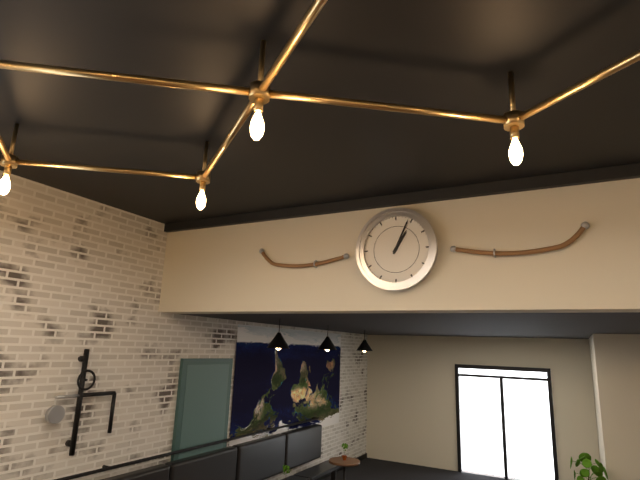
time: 1:04
